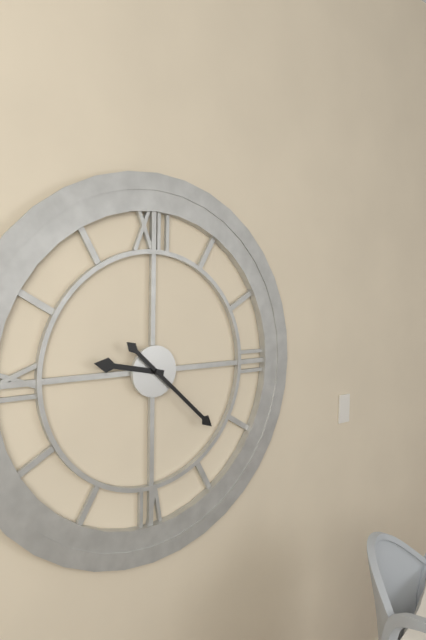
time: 9:22
